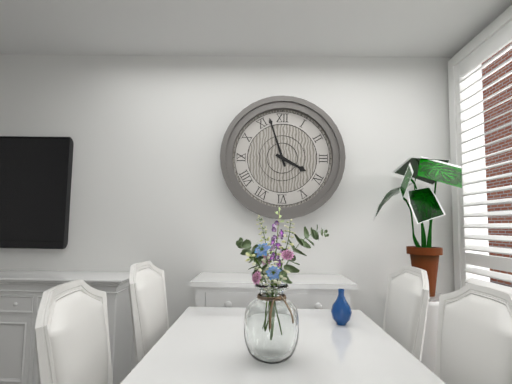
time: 3:57
